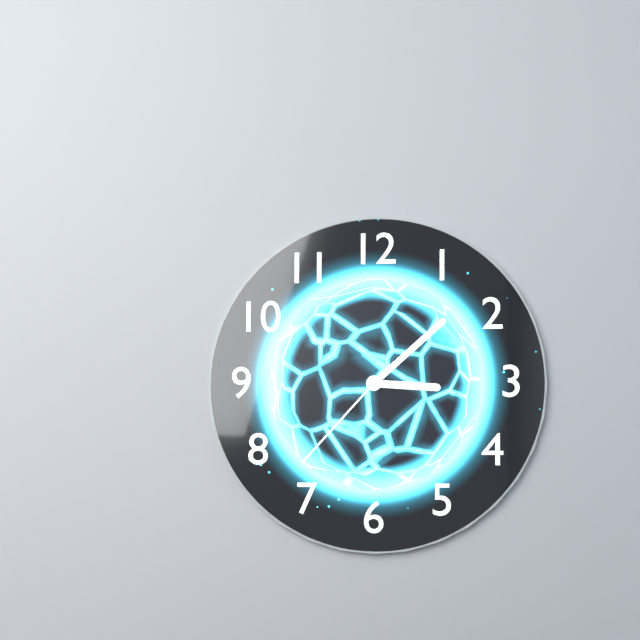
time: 3:08:37
